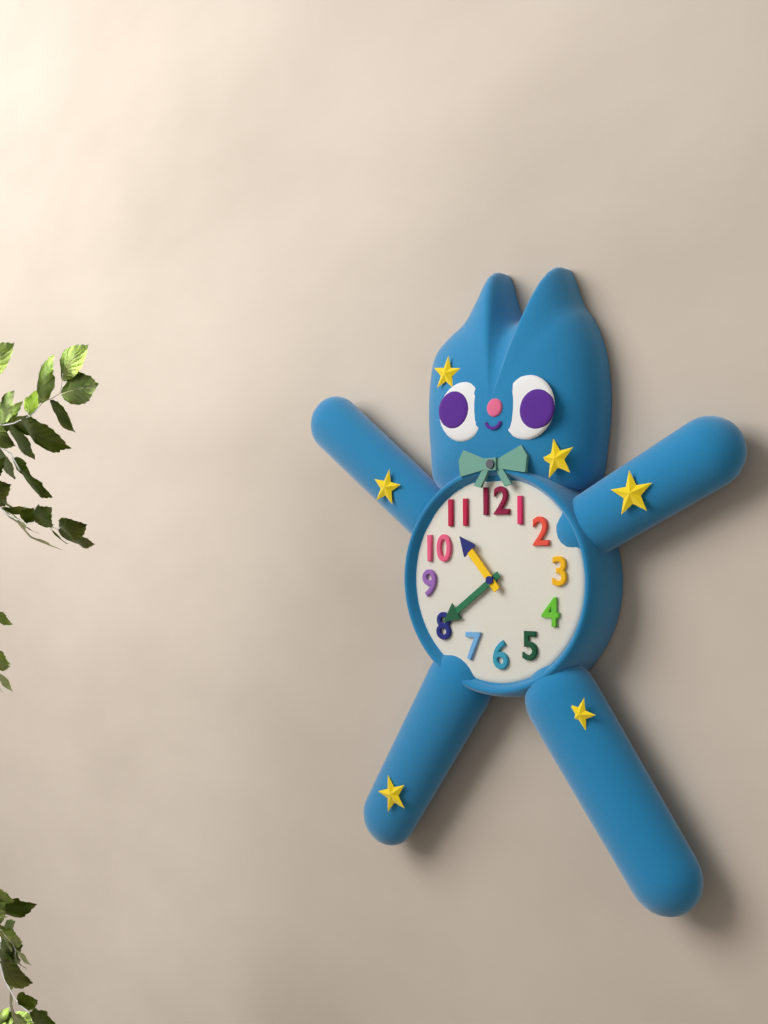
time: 10:39
